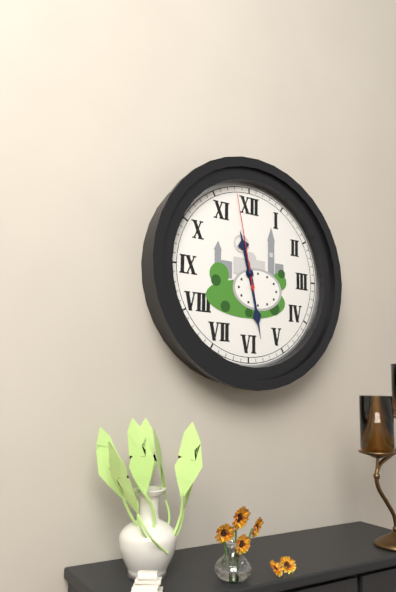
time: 11:28:58
